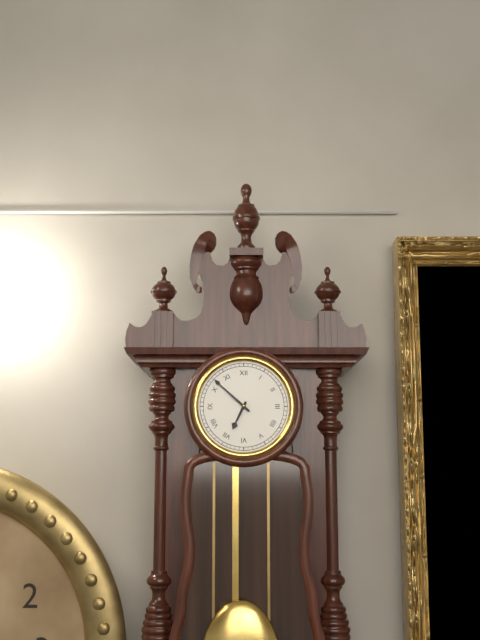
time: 6:52
